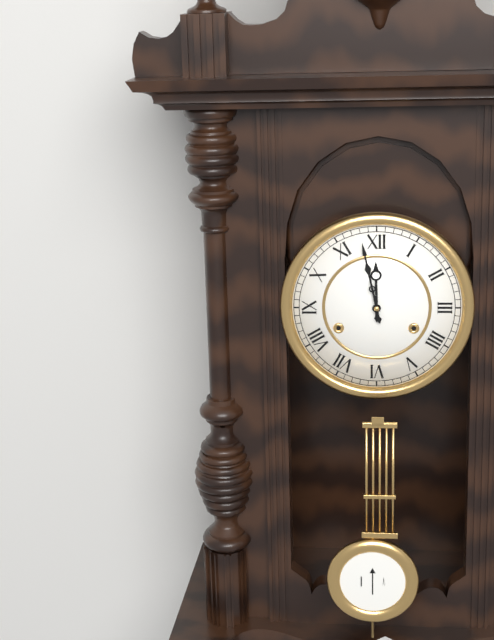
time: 11:58
